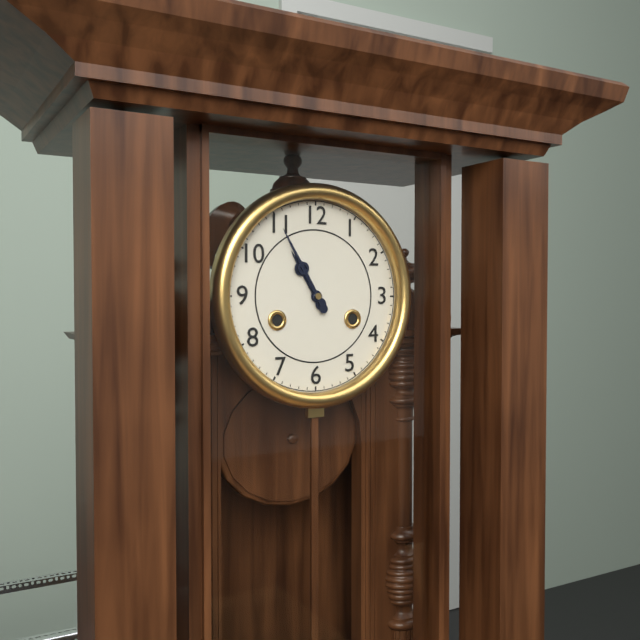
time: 10:55
